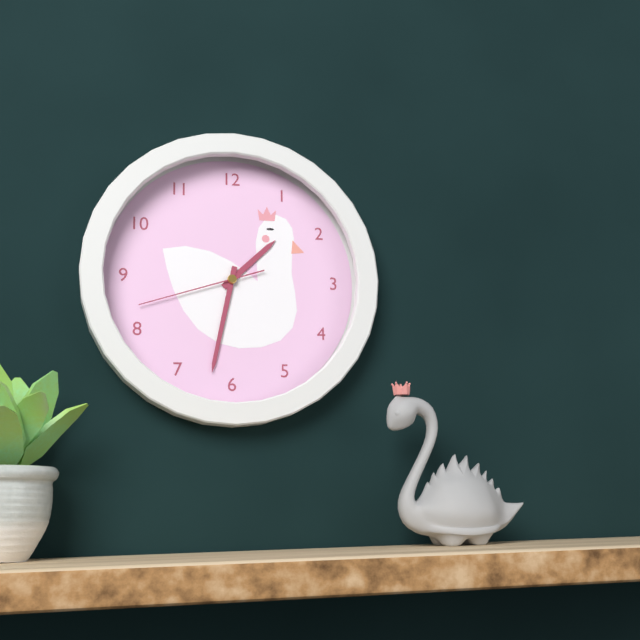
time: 1:32:42
